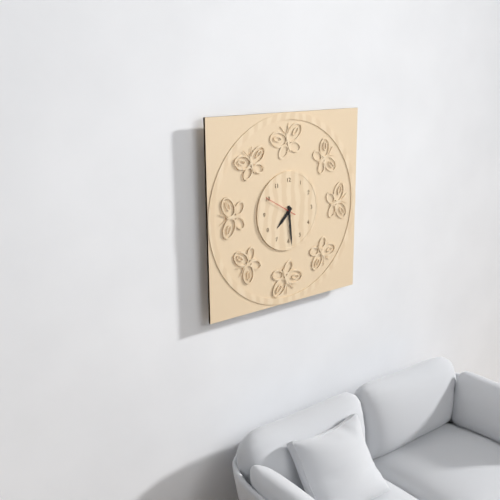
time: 7:29
